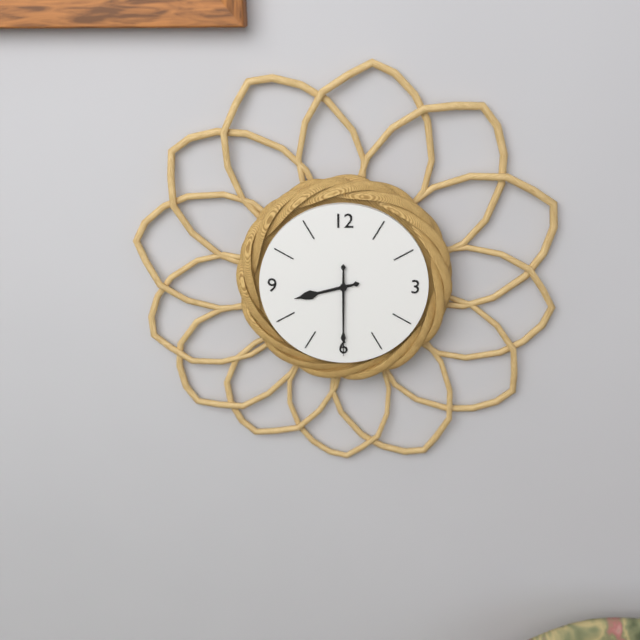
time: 8:30
